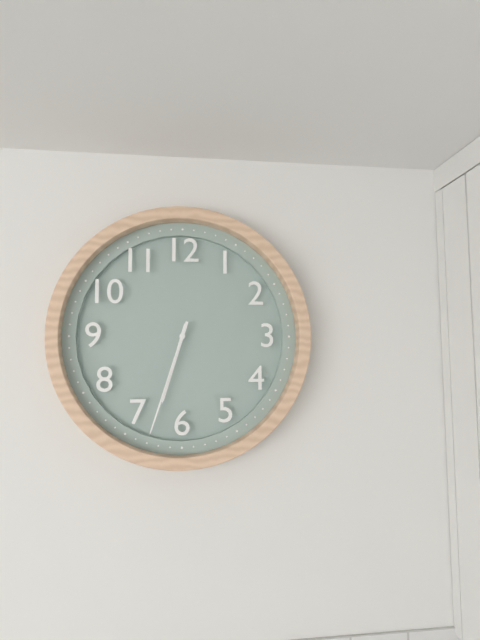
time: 6:33
